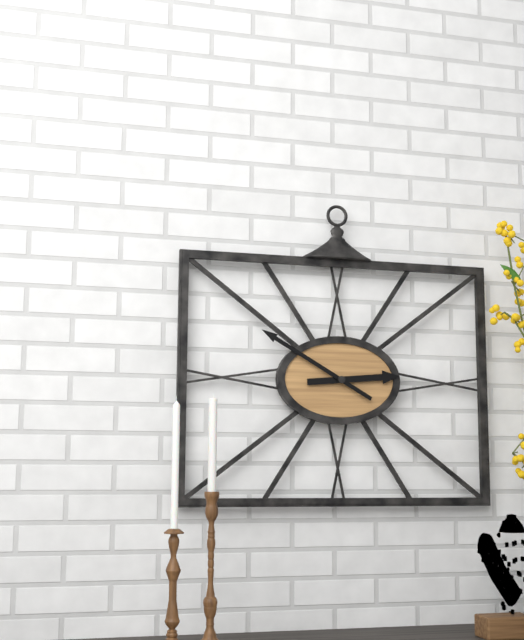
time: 2:50
